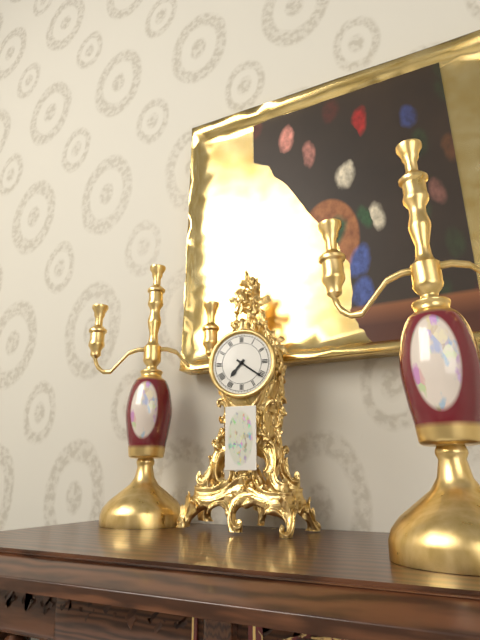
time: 7:21
